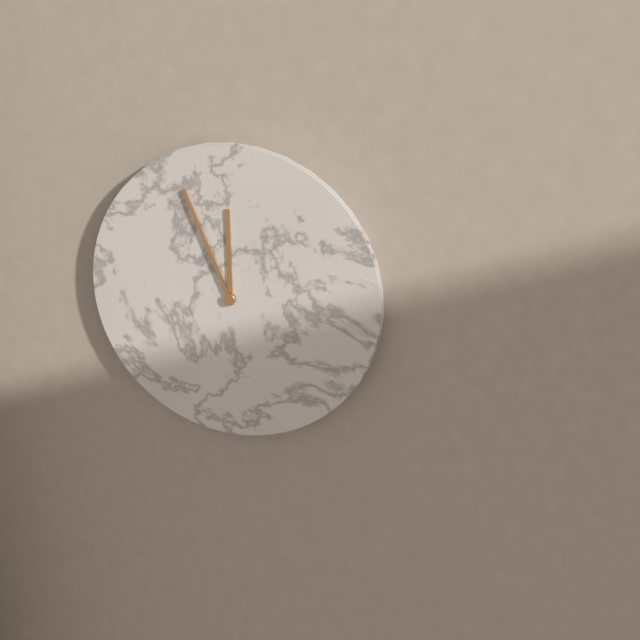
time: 11:56
